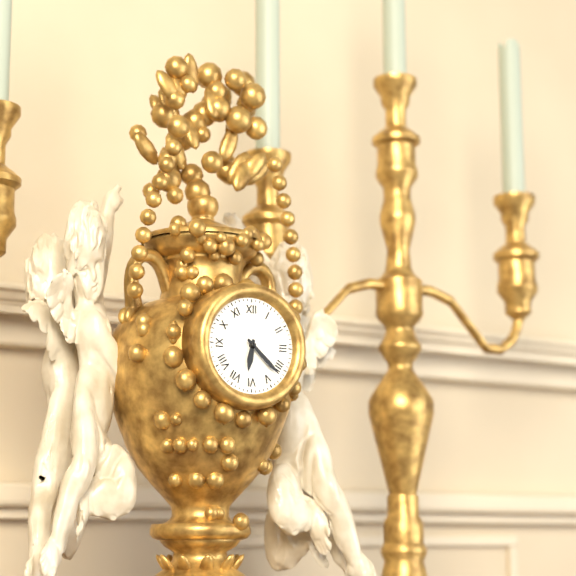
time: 6:22
